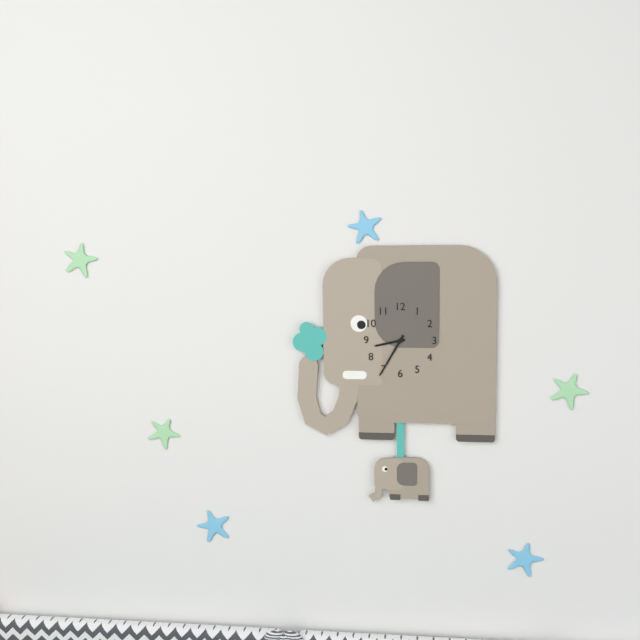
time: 8:35
